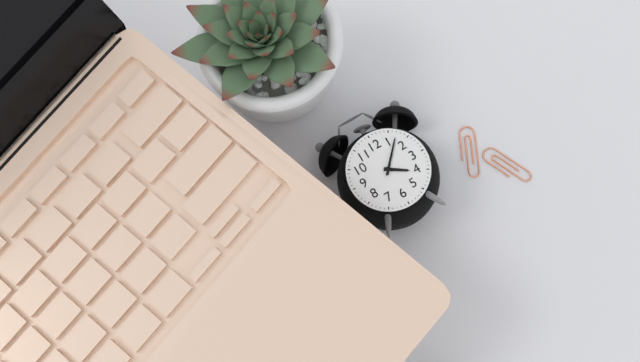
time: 4:07
